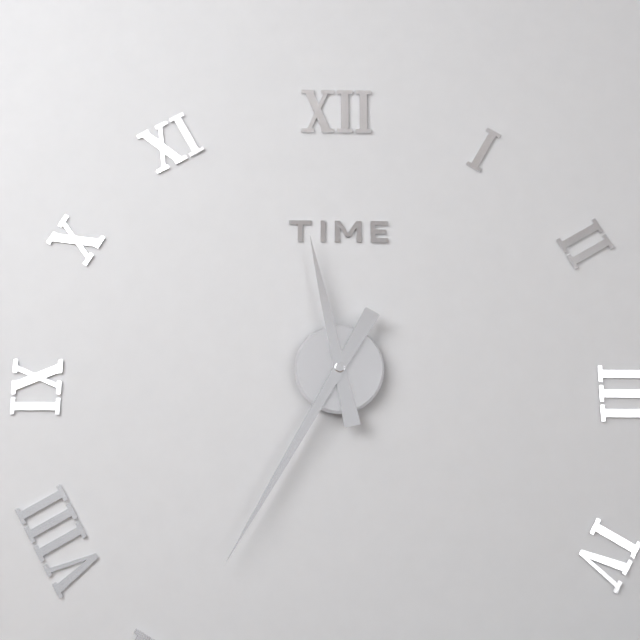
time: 11:35
